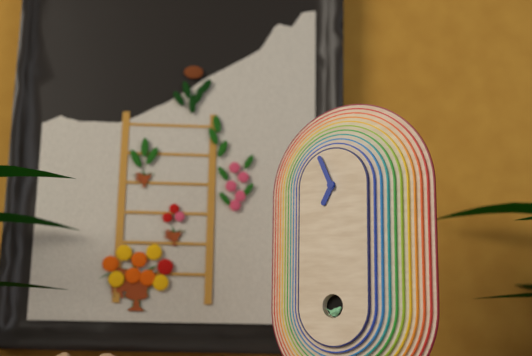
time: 6:56
